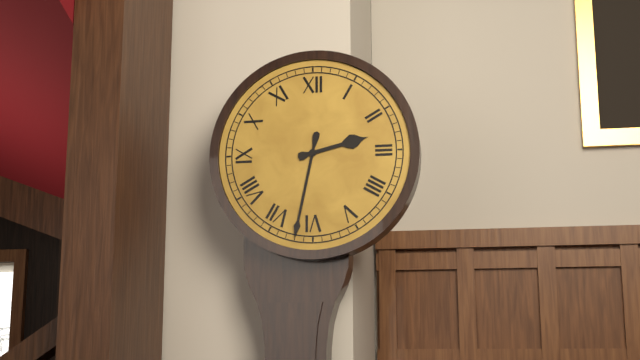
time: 2:32
